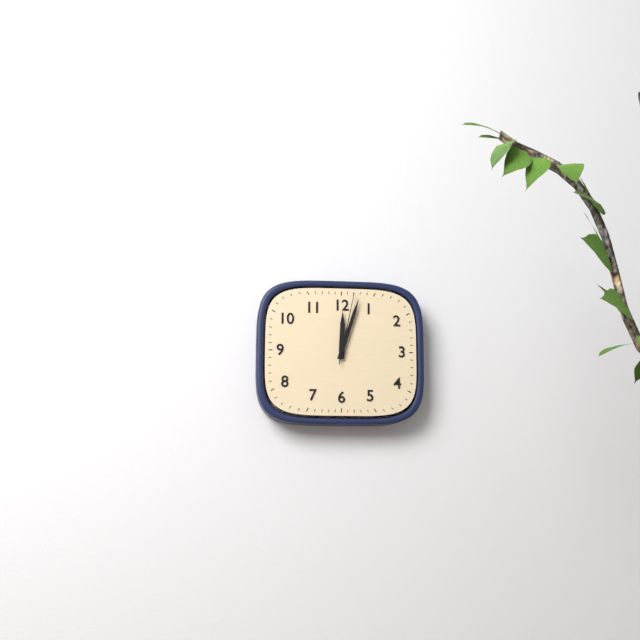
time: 12:03:02
